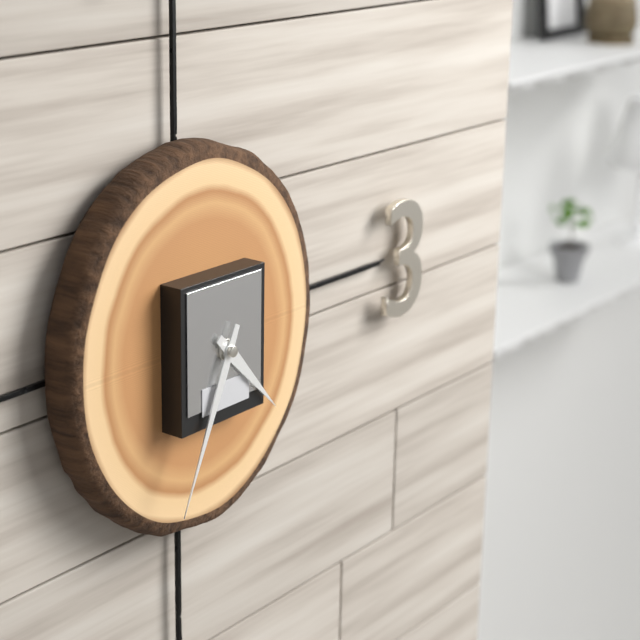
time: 4:34
